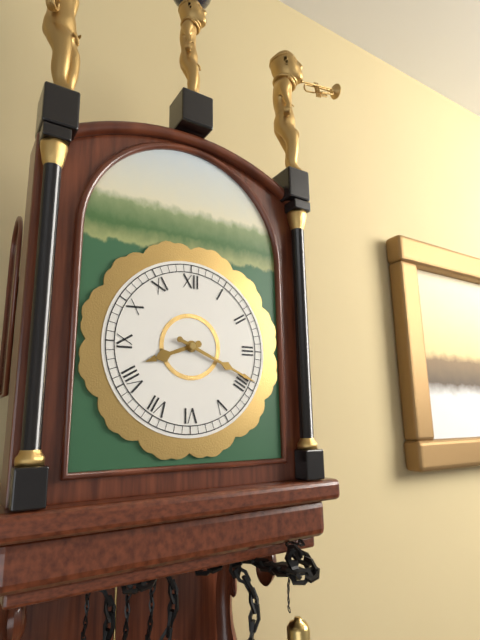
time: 8:19
